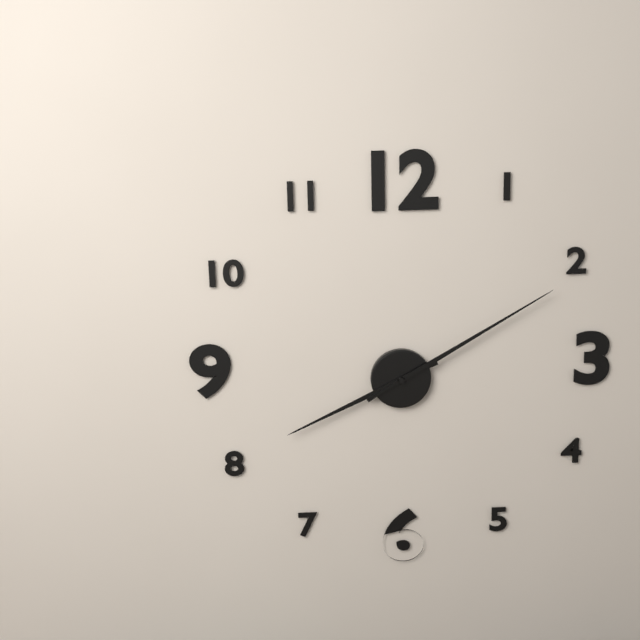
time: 8:10
